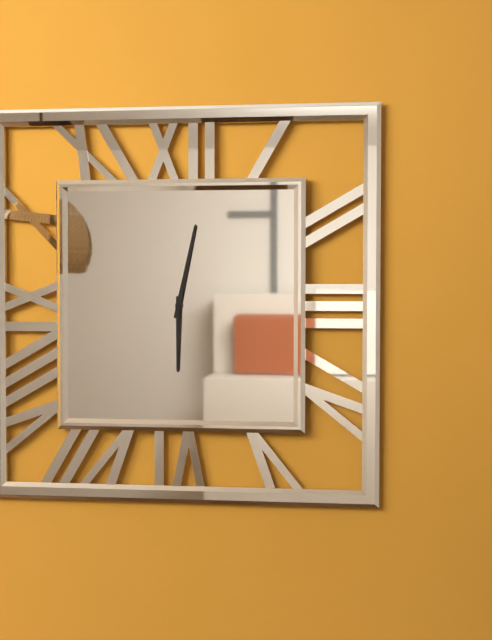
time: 6:02
